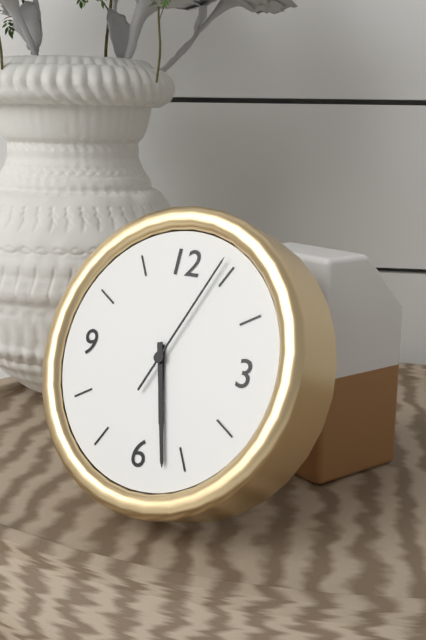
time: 5:27:04
